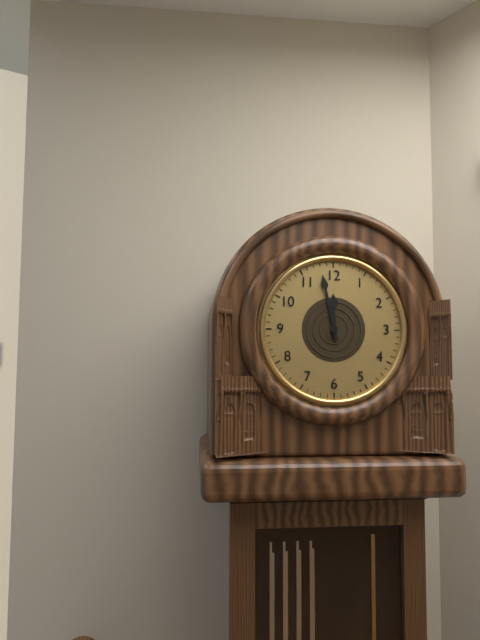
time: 11:58
